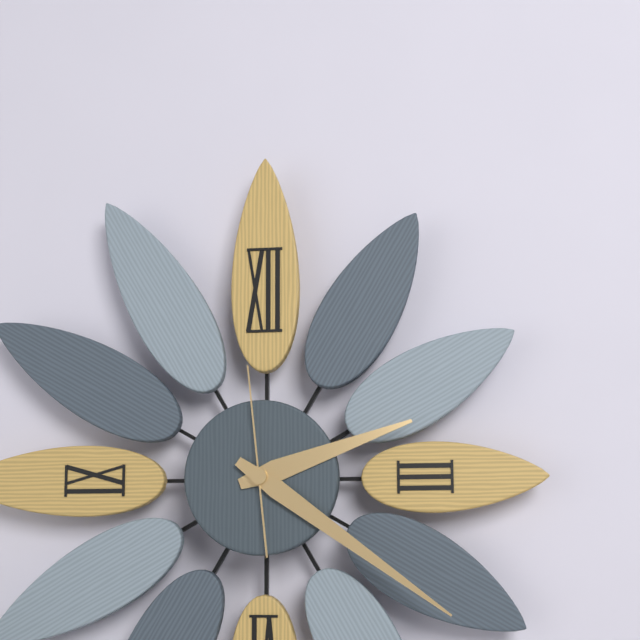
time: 2:21:59
